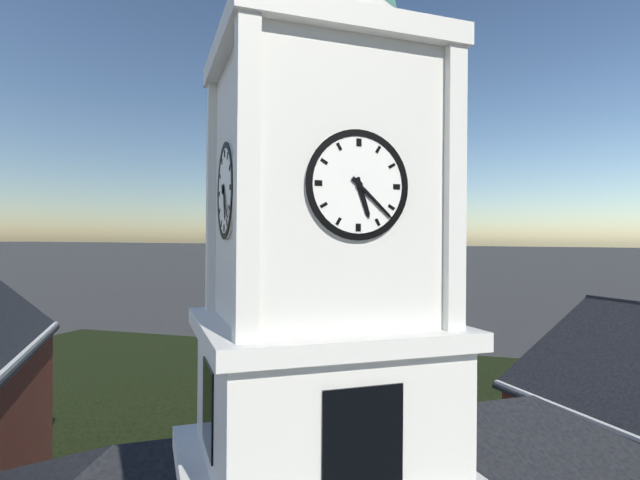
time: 5:22
